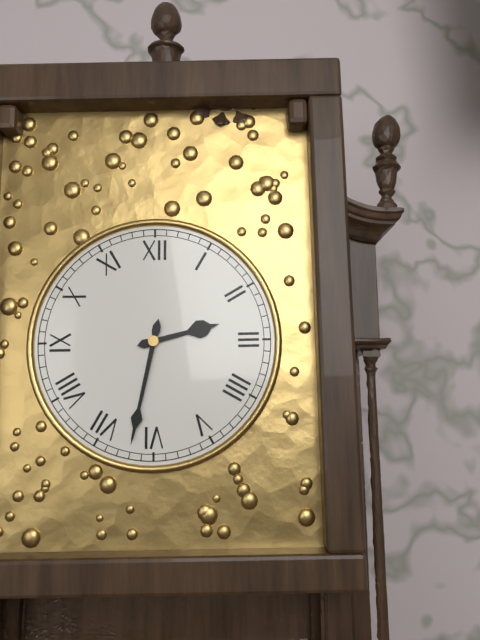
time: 2:32
